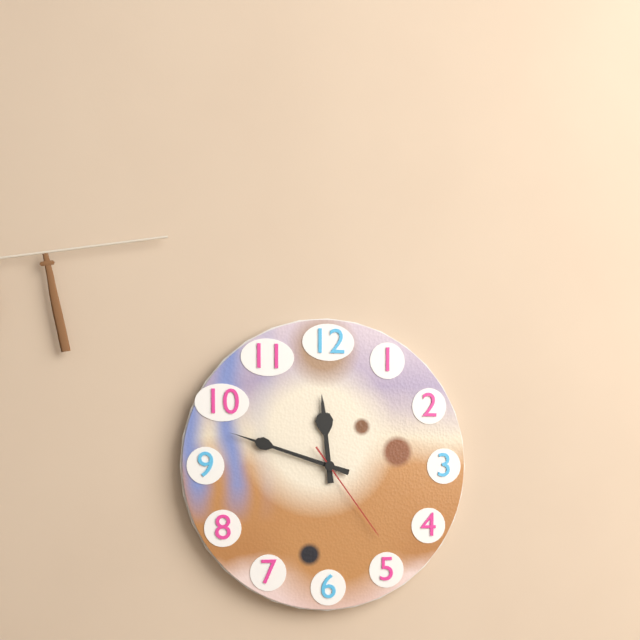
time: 11:48:24
